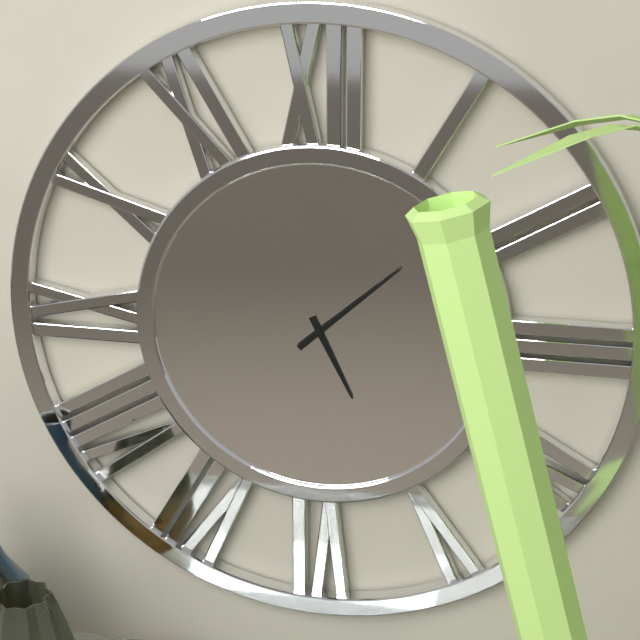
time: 5:08
